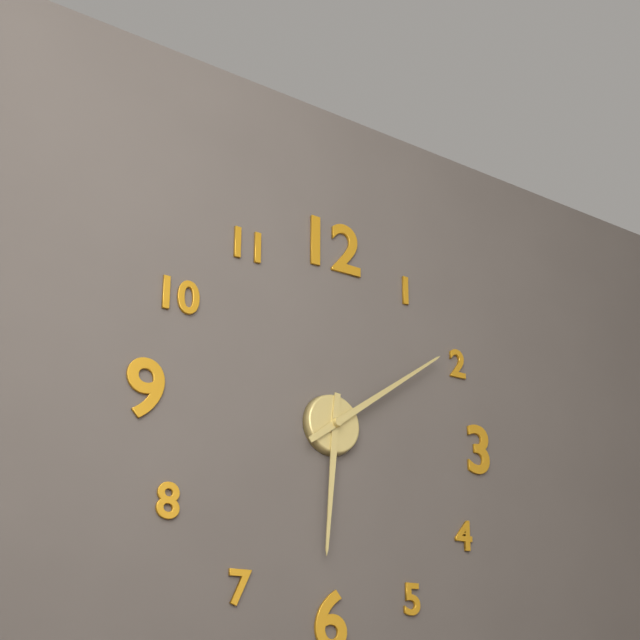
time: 6:09
